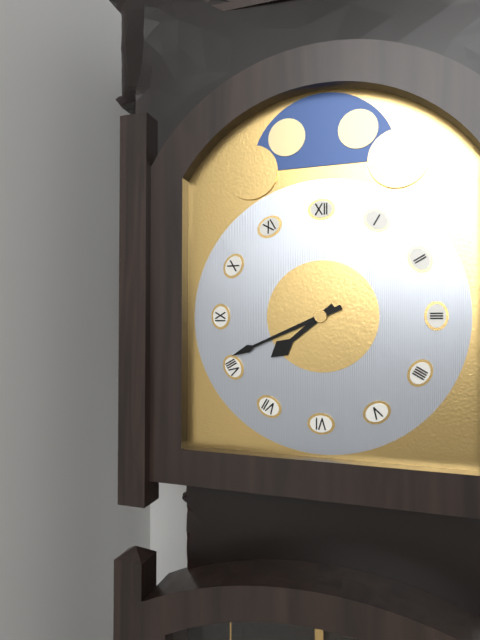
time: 7:41
